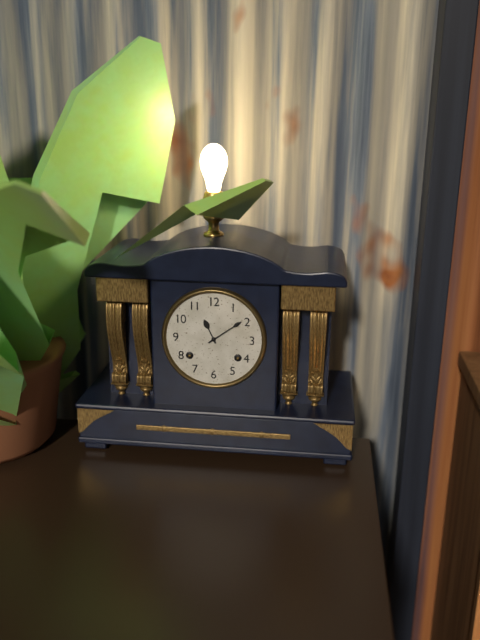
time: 11:09
